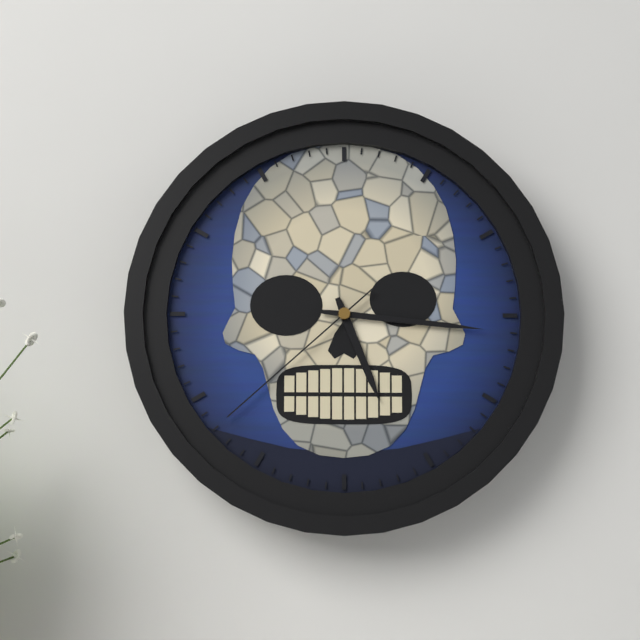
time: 5:16:38
